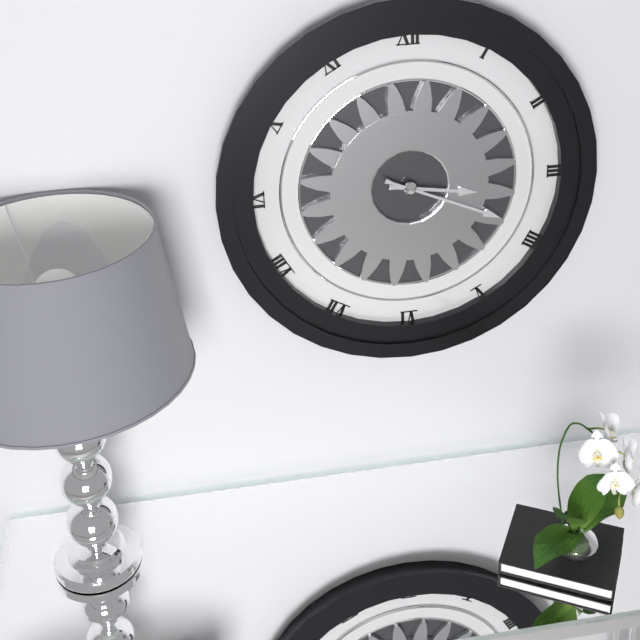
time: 3:19
